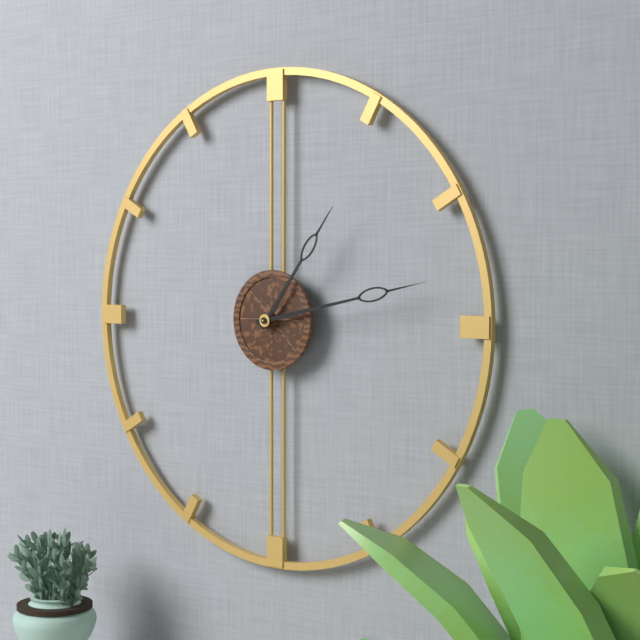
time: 1:13
